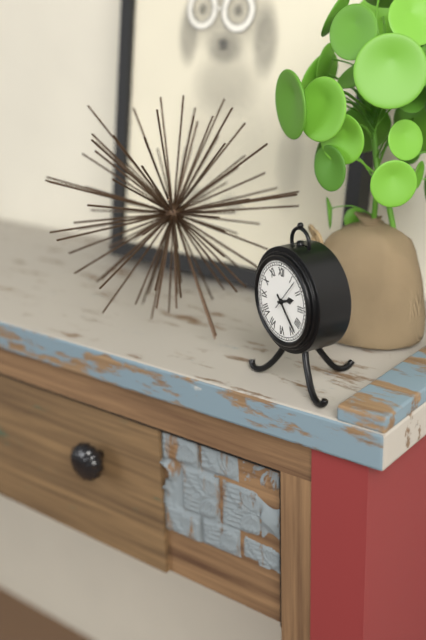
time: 2:23
